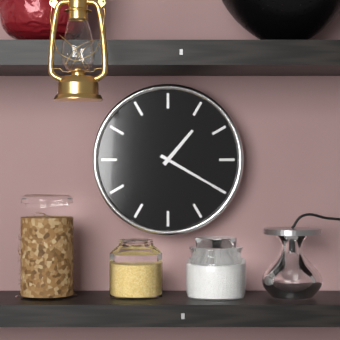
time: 1:20
